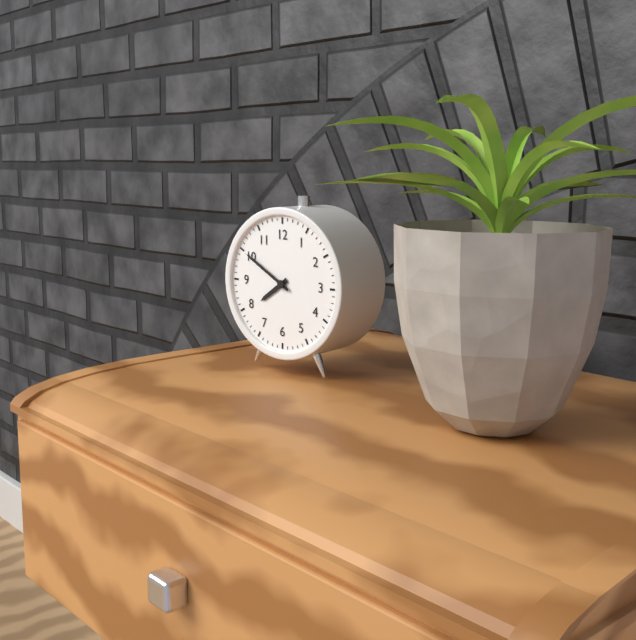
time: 7:50
